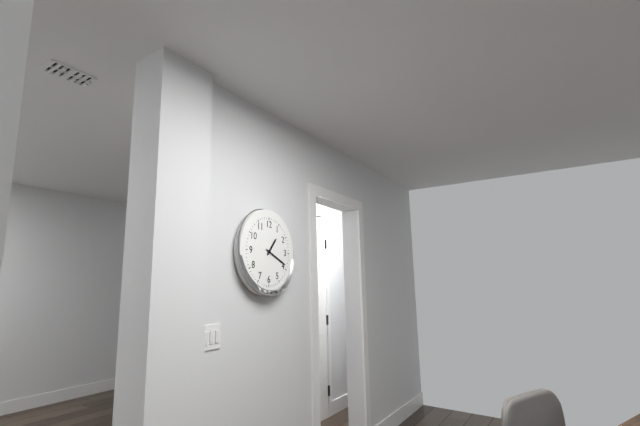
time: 1:19
